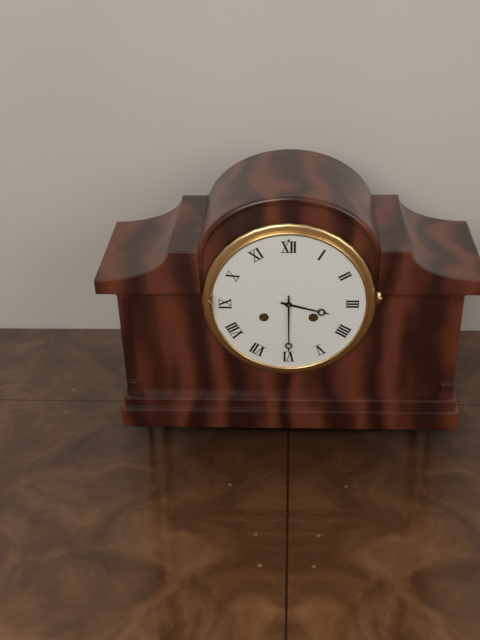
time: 3:30
